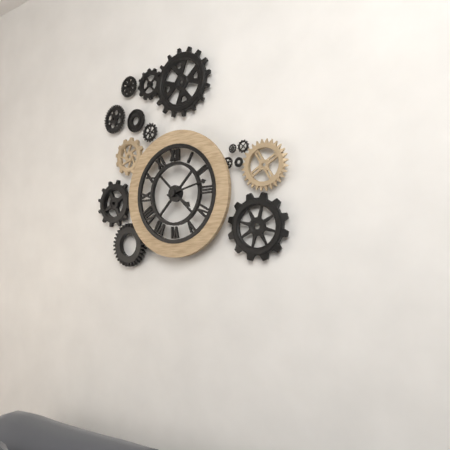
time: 4:13
